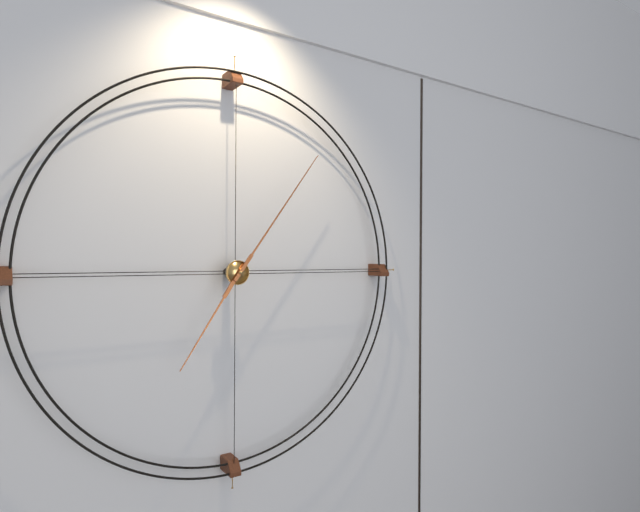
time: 7:06
